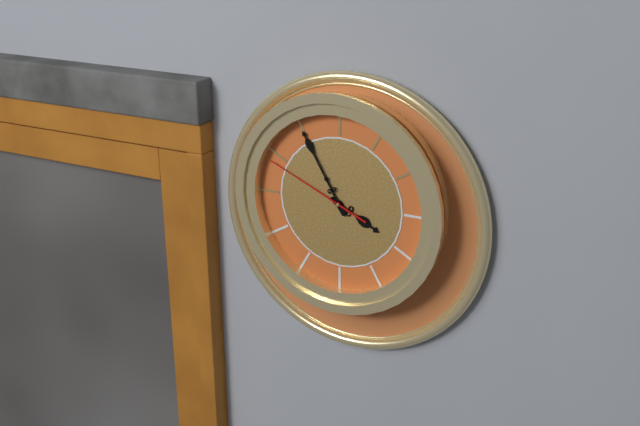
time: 3:55:49
